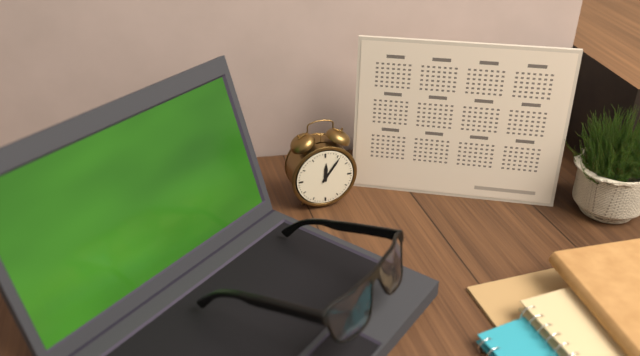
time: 12:06
